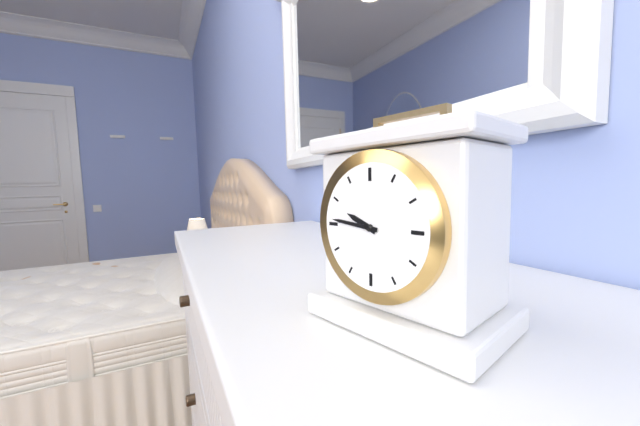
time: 9:46
